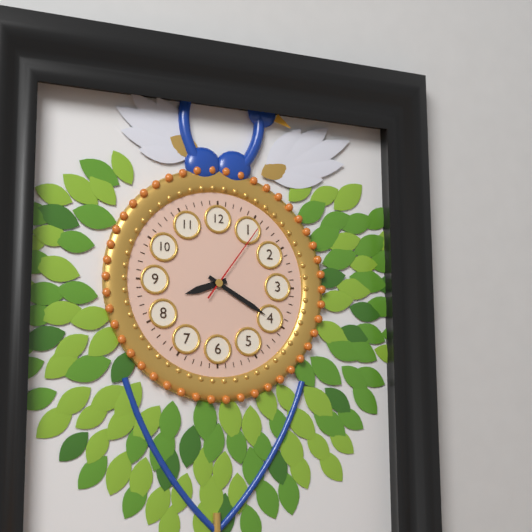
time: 8:20:06
